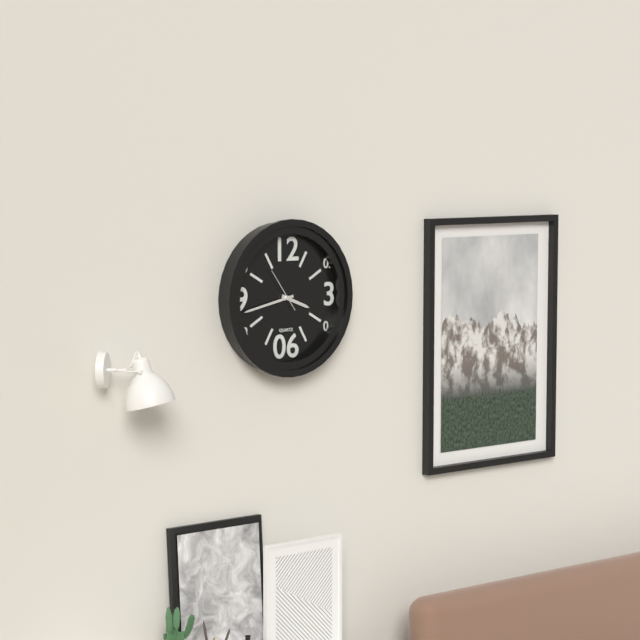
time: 3:43
